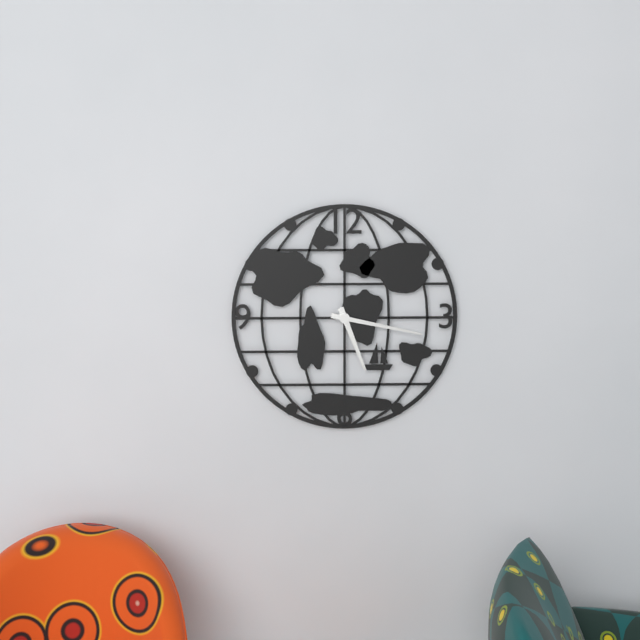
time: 5:17
